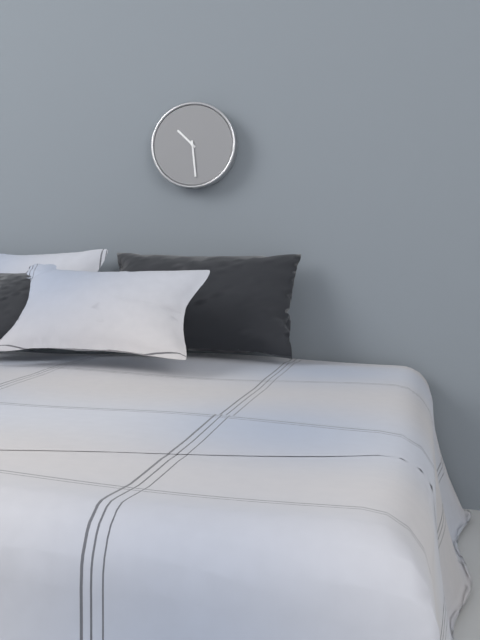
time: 10:29
